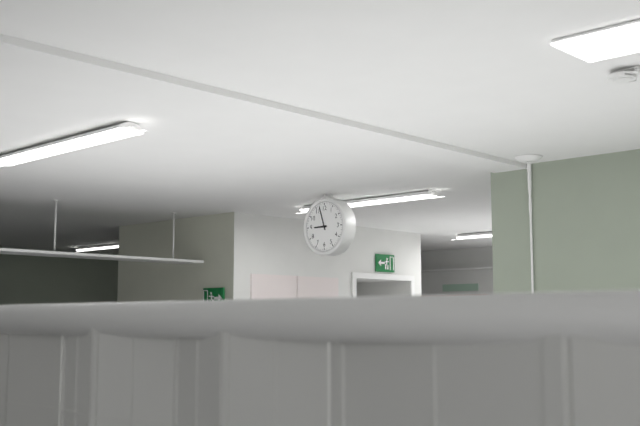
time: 8:57
